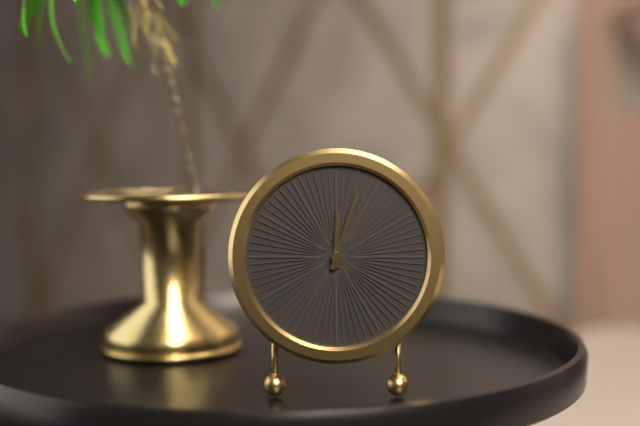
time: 12:03
